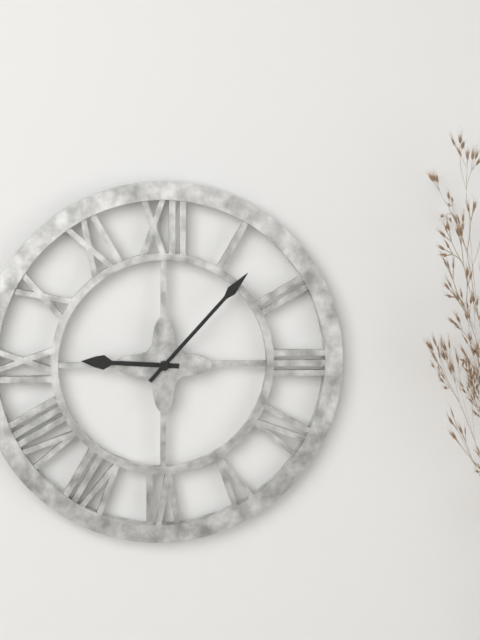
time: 9:07
